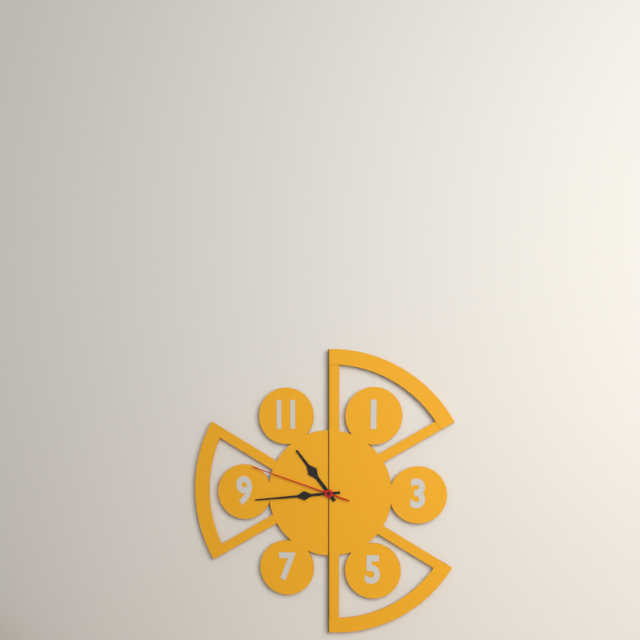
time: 10:44:48
